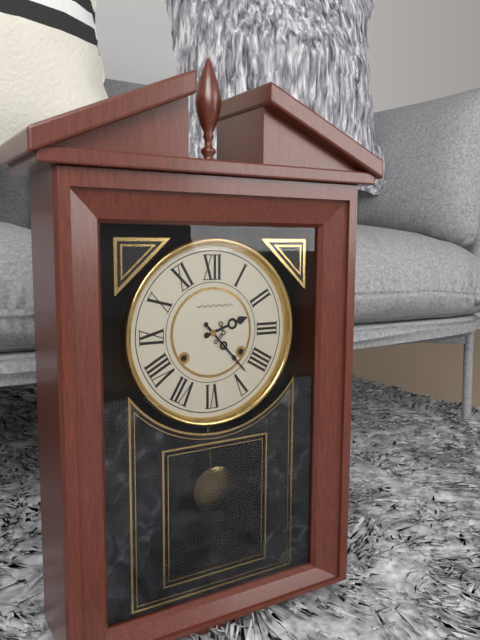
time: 2:23
